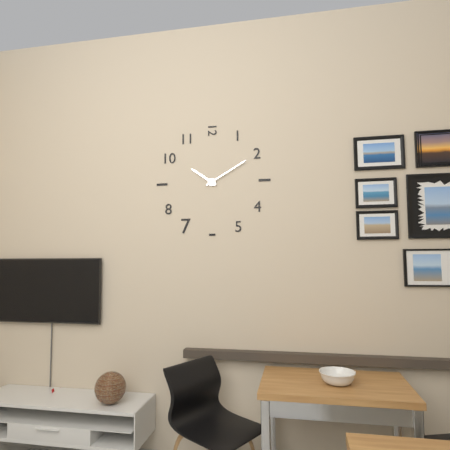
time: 10:10
